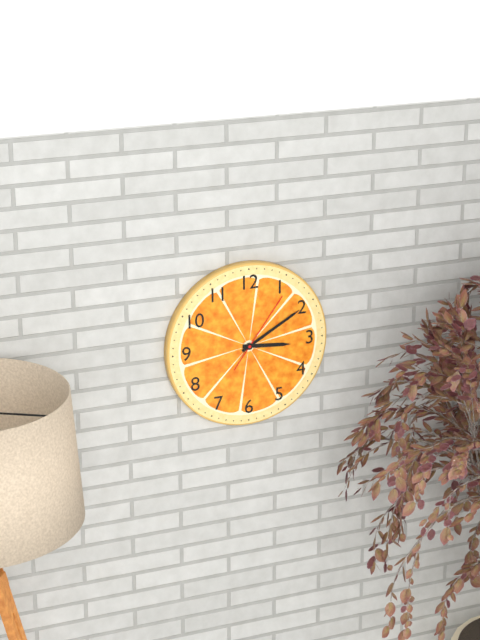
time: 3:10:06
